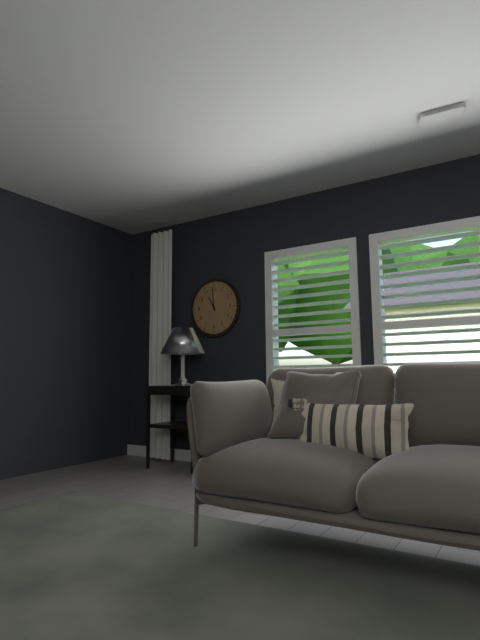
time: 10:59
